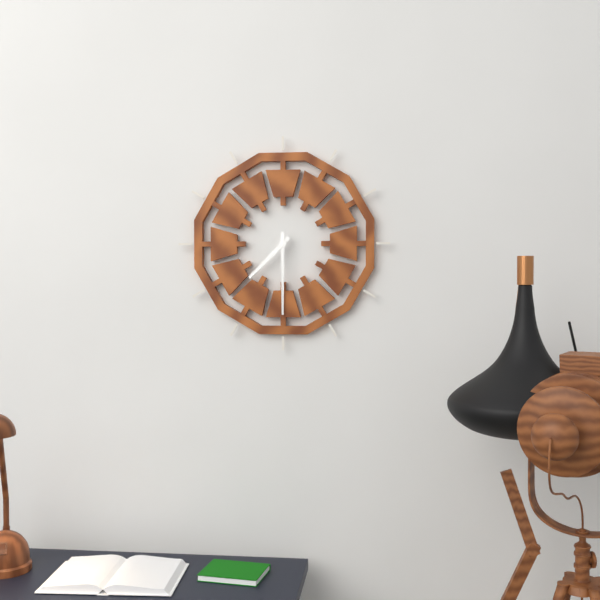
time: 7:30
